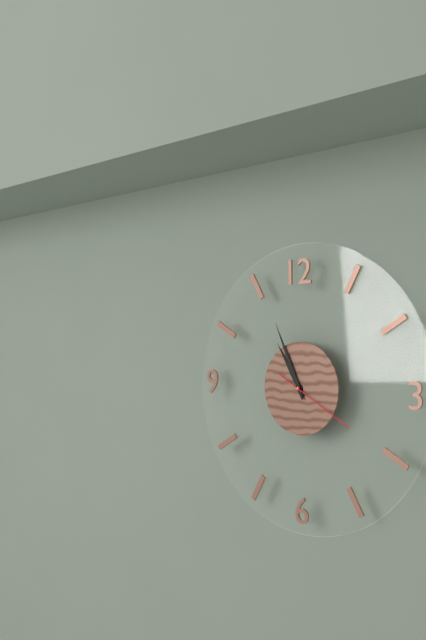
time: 10:56:20
